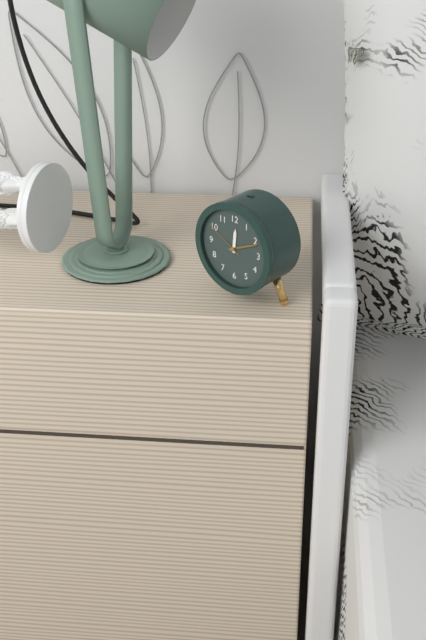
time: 12:11
